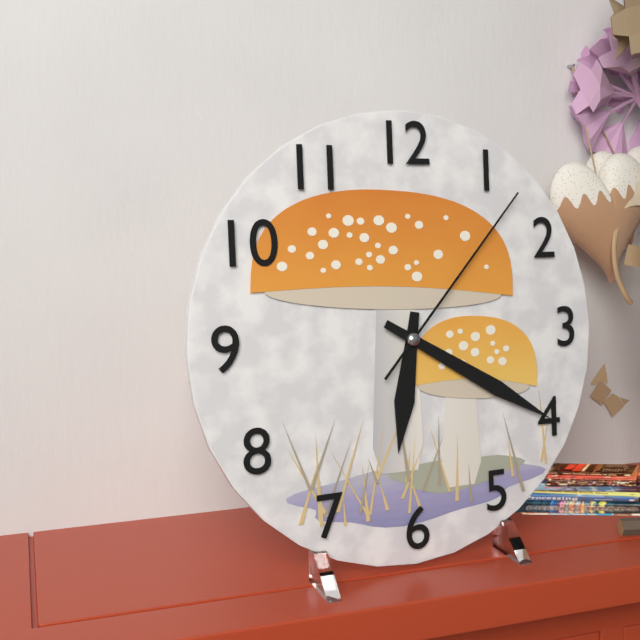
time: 6:20:07
